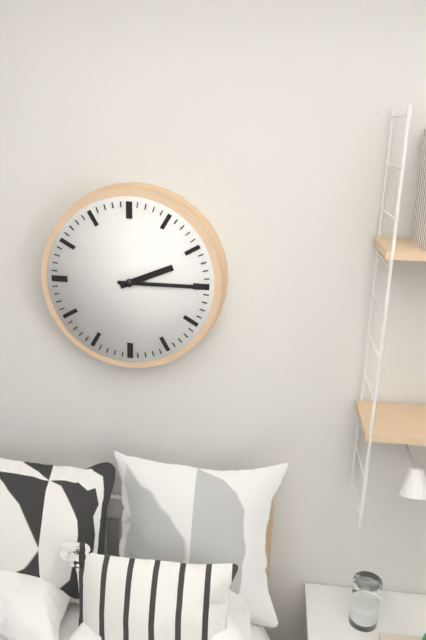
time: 2:15
